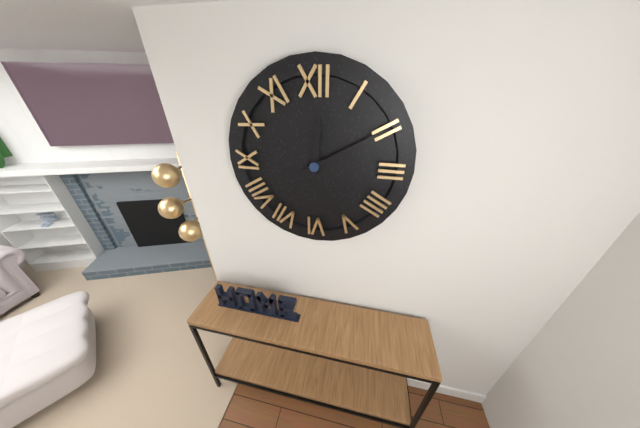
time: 12:10
